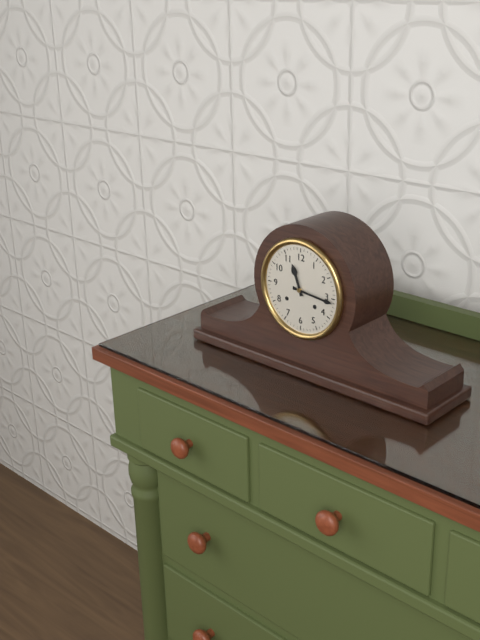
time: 11:16
